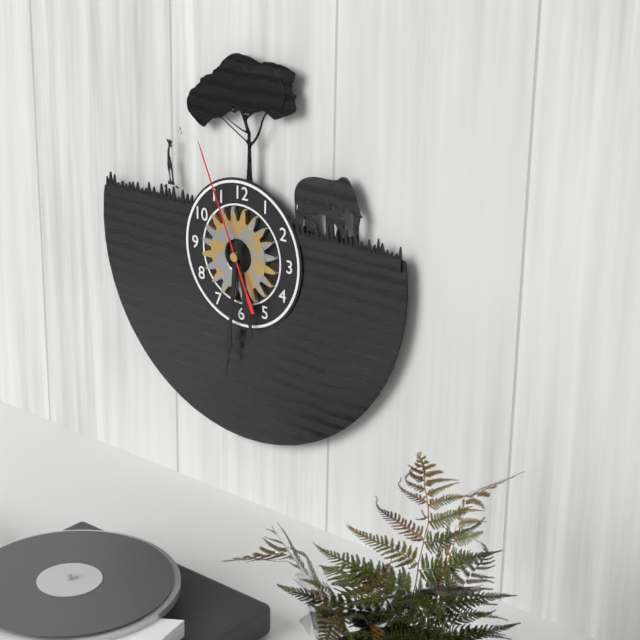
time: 5:31:56
